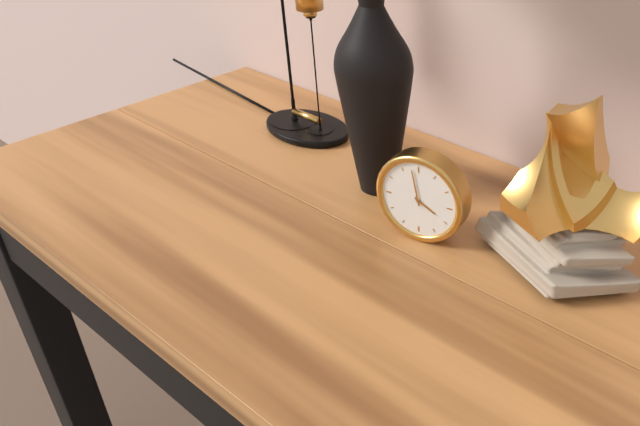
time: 3:58
